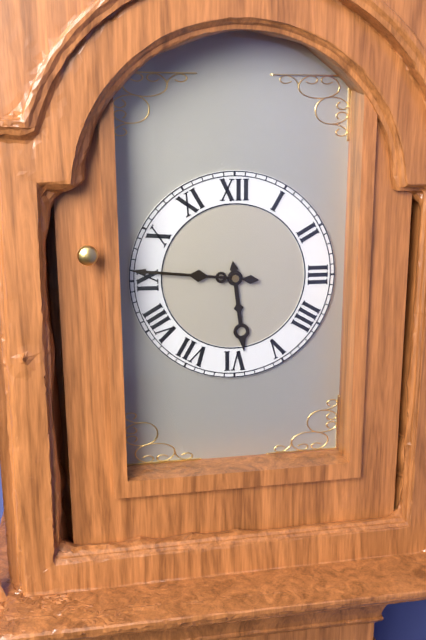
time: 5:46
